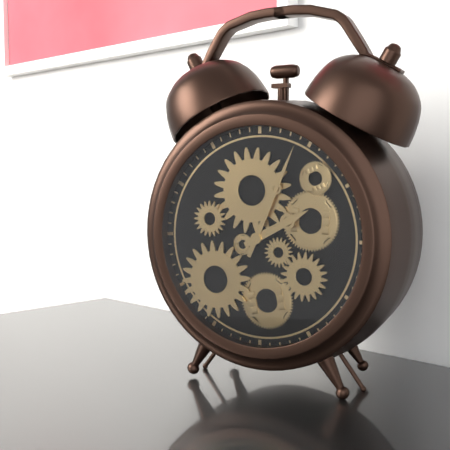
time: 2:04
